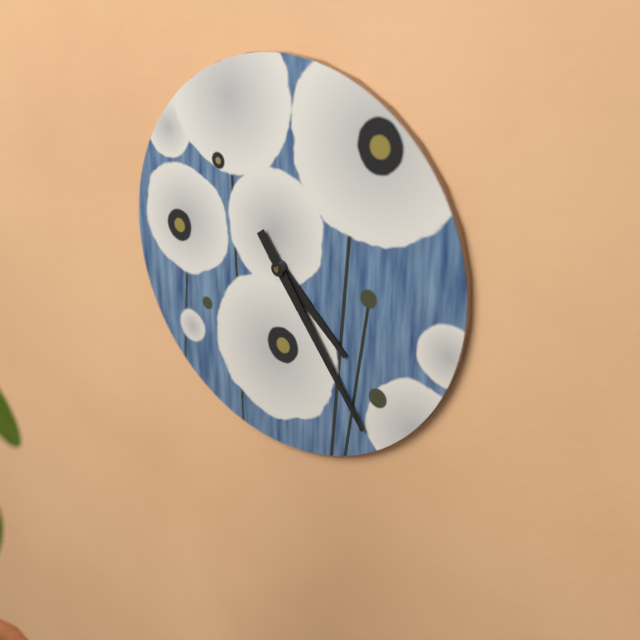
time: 4:24
